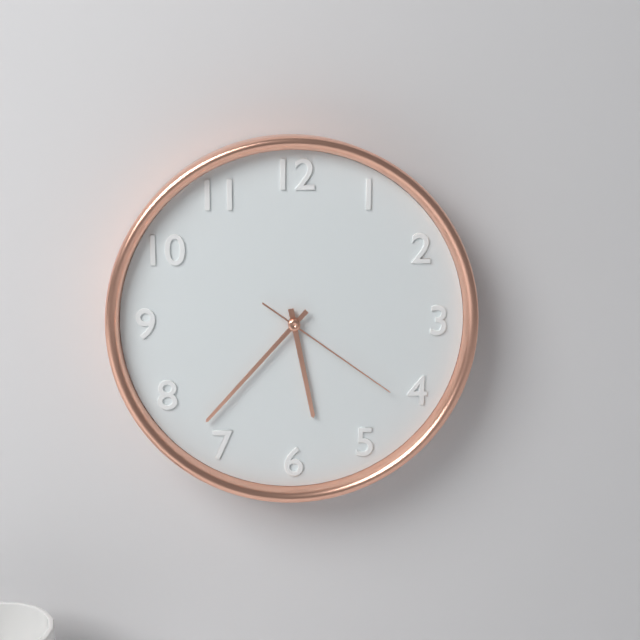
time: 5:37:21
